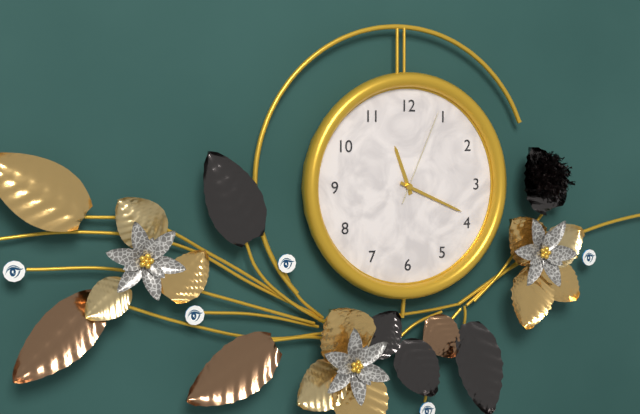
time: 11:19:04
